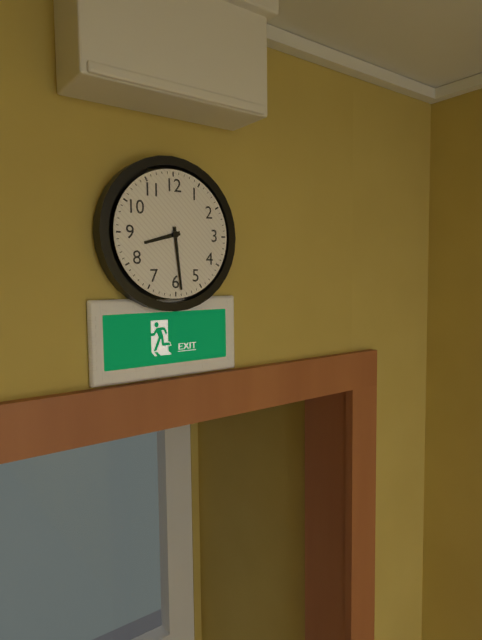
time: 8:29
